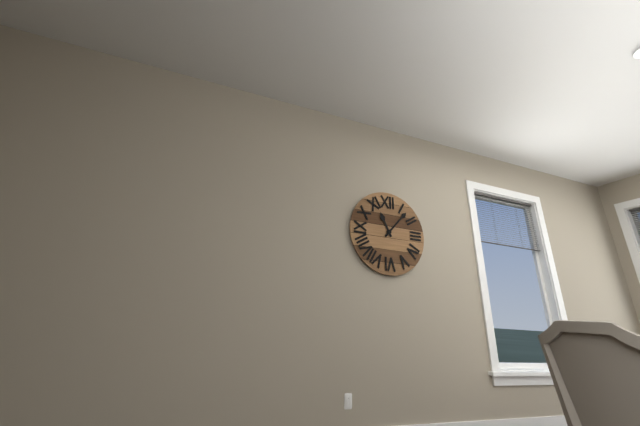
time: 11:07
